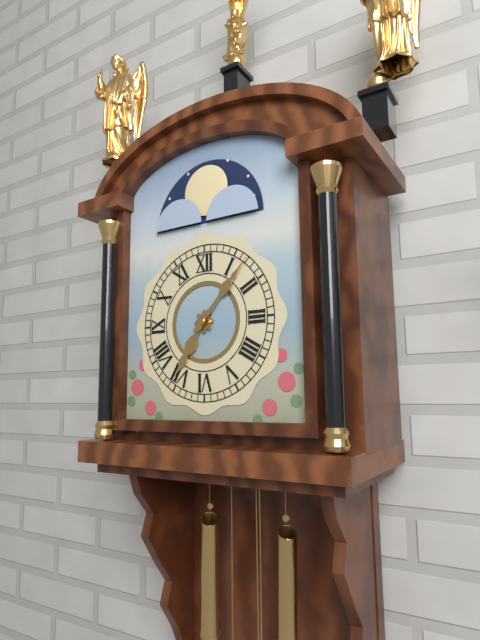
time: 7:07
